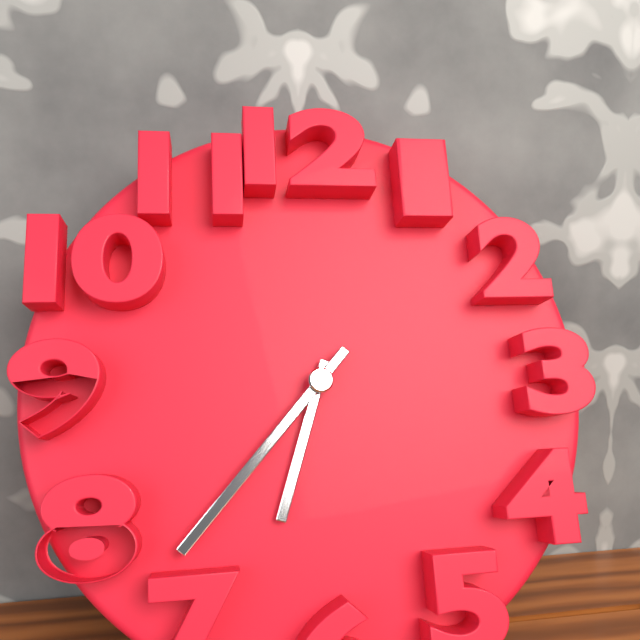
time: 6:37
